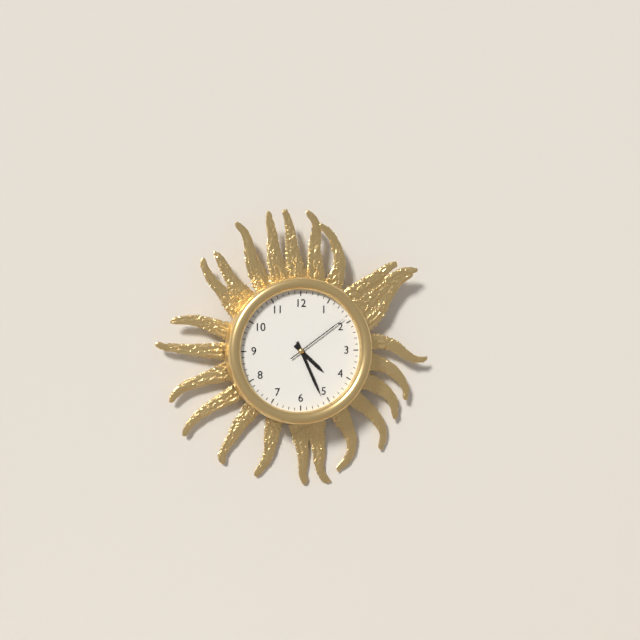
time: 4:26:09
